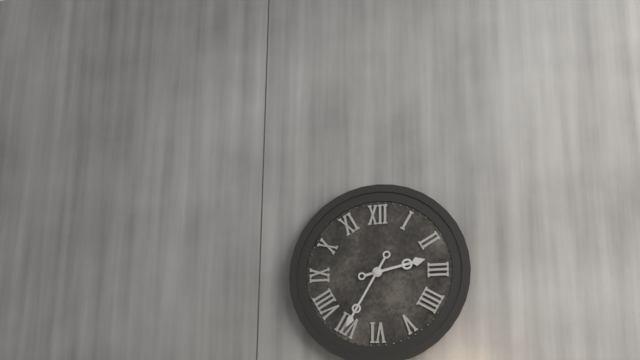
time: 2:35
